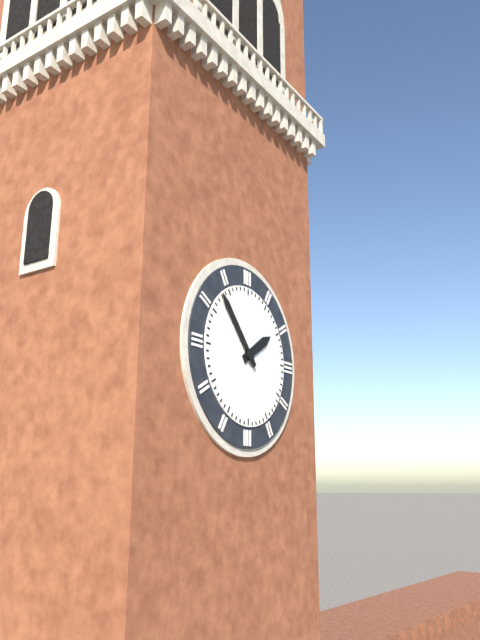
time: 1:53
